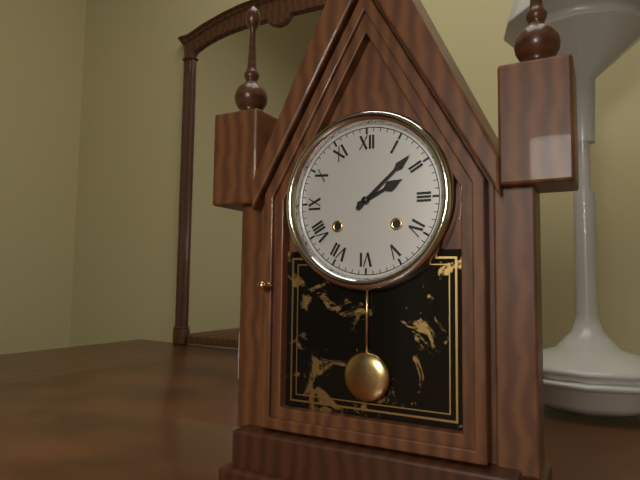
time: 2:08
